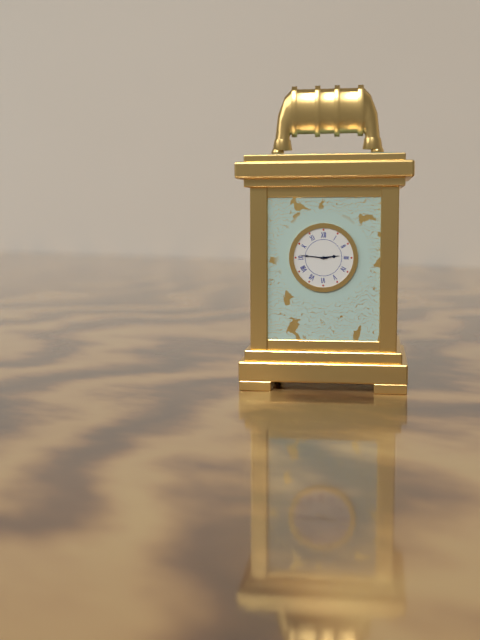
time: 2:46
